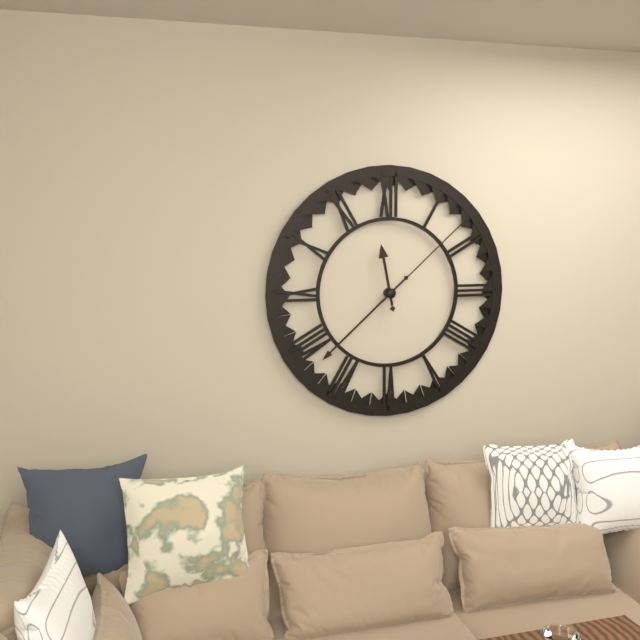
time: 11:38:08
